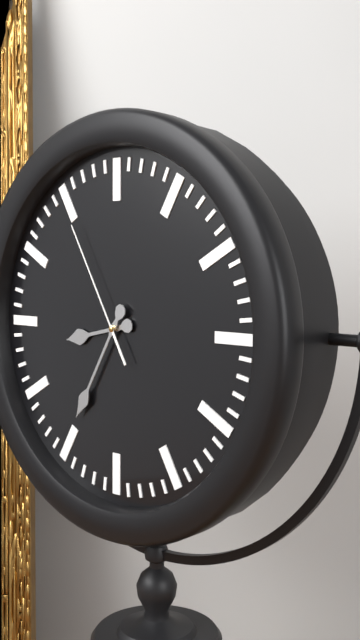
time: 8:35:55
